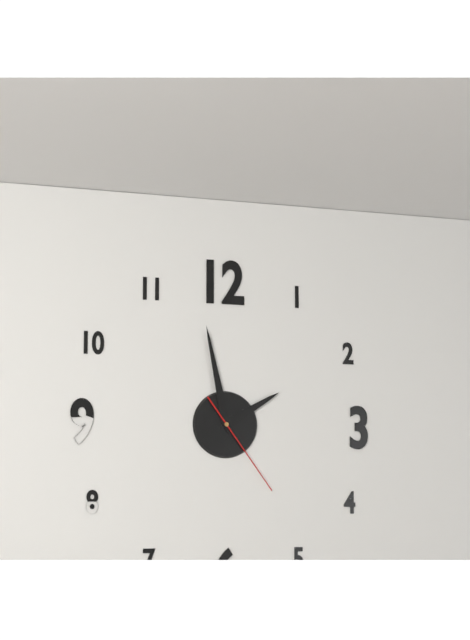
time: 1:58:24
